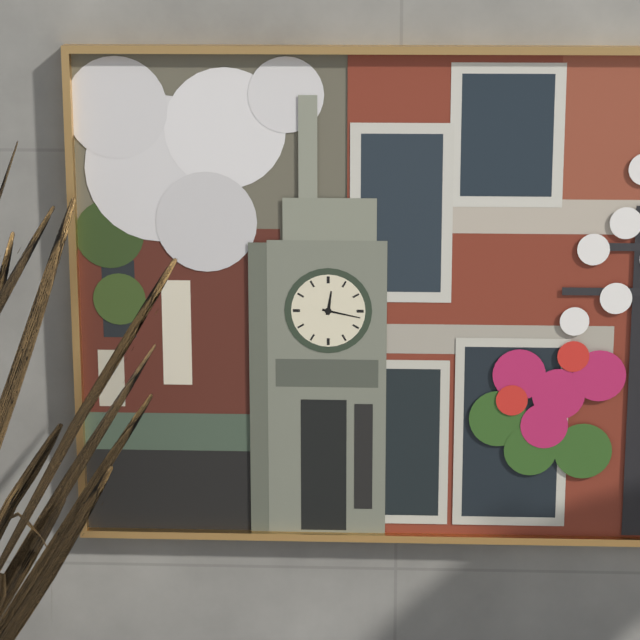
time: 12:17
